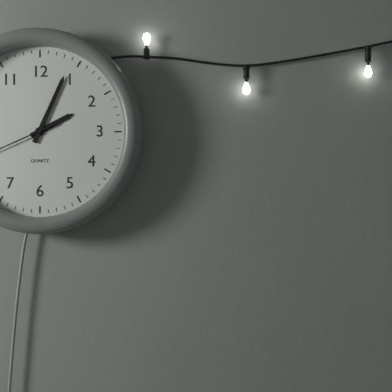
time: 2:04
